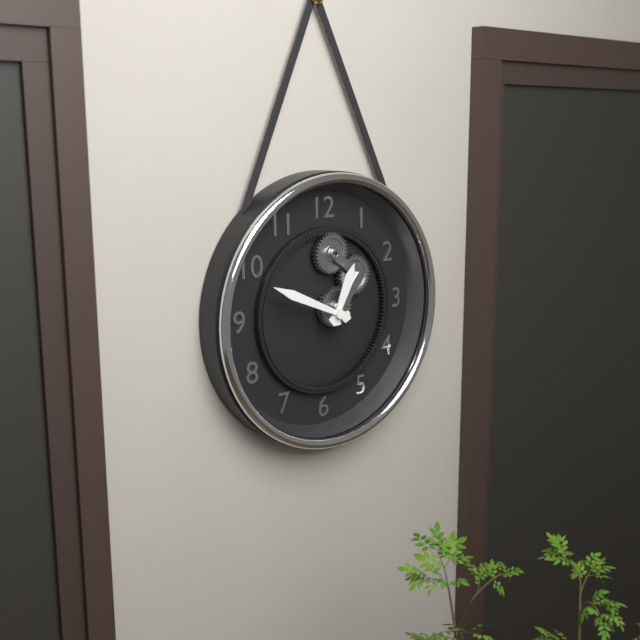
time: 12:49
